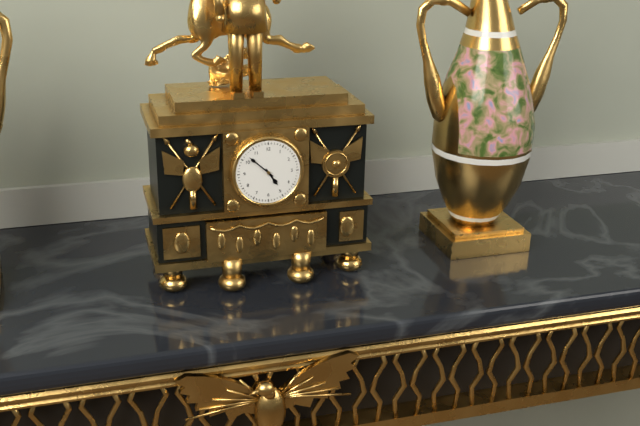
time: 4:52
